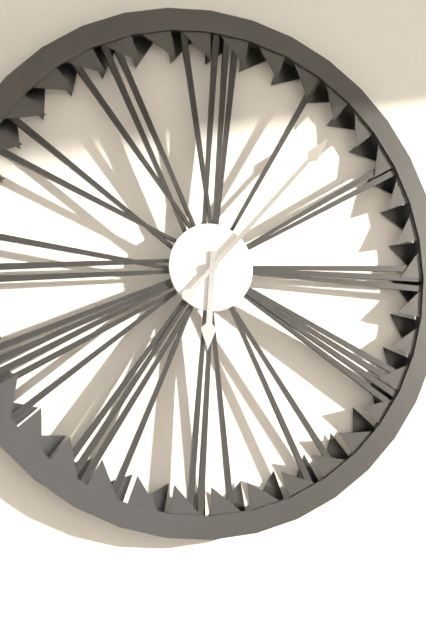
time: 6:07
